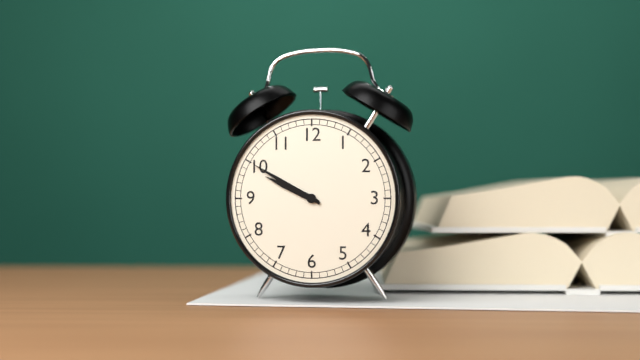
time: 9:50
